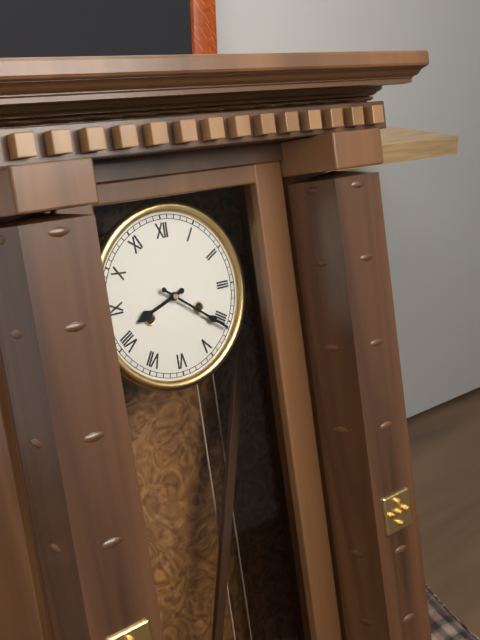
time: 8:21
